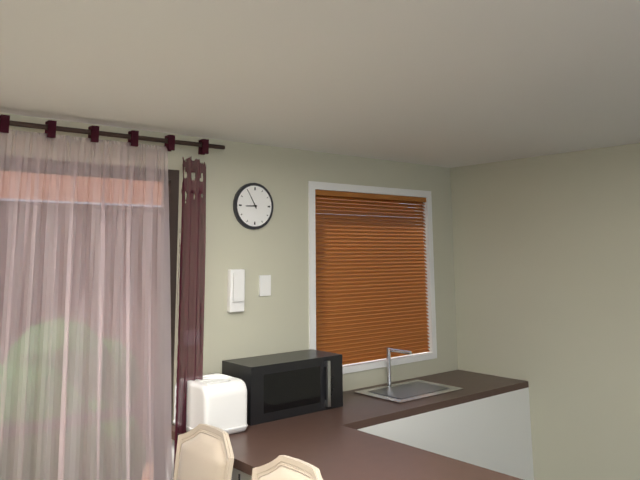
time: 8:55
